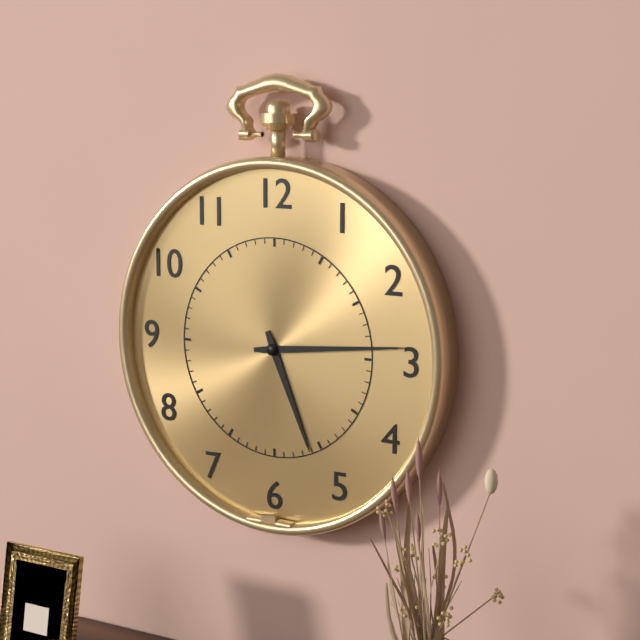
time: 5:14
